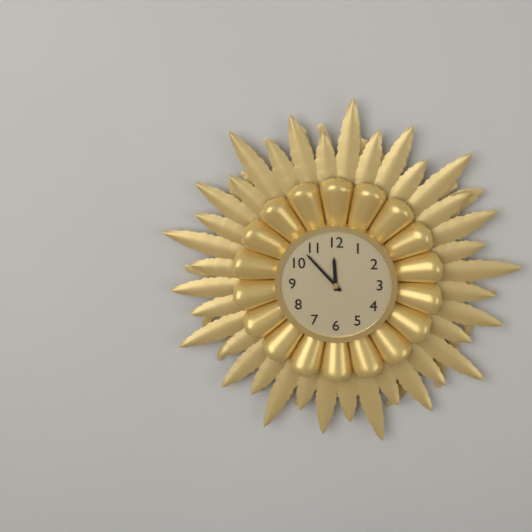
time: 11:53
